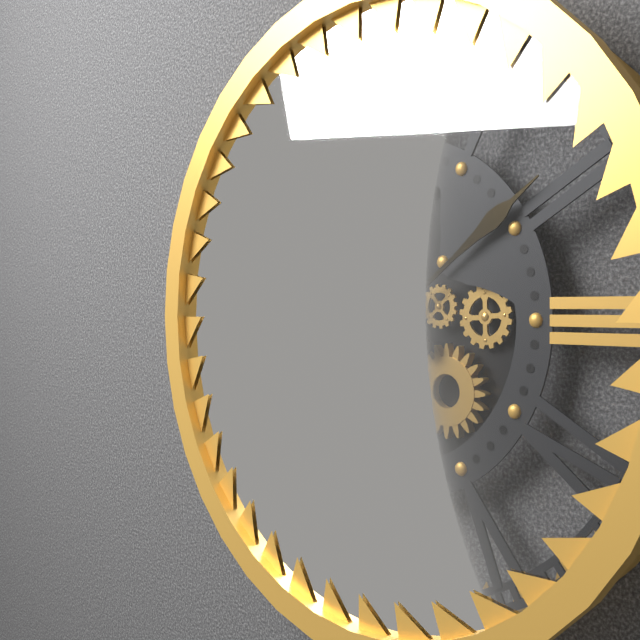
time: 10:09
